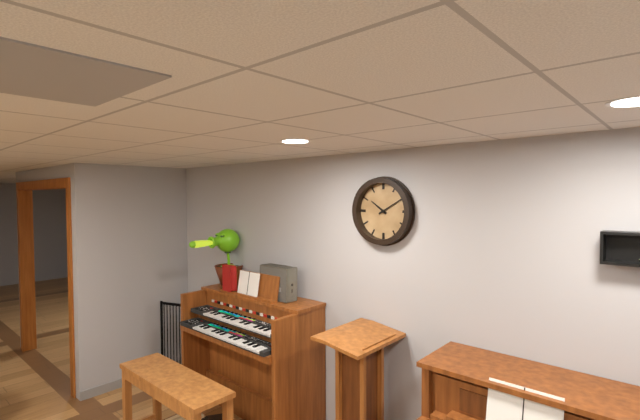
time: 10:10
